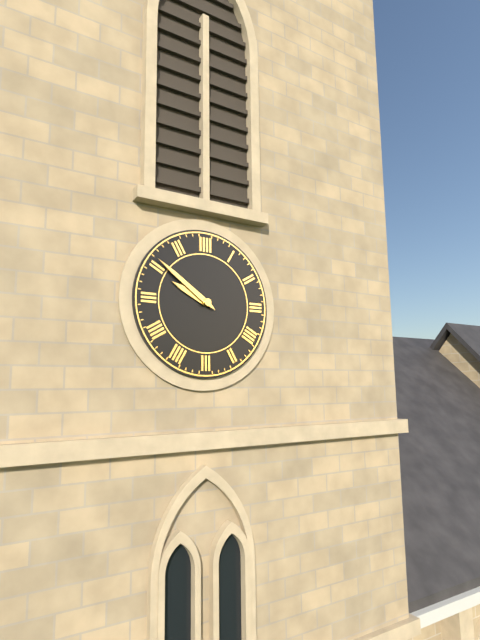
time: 9:51
